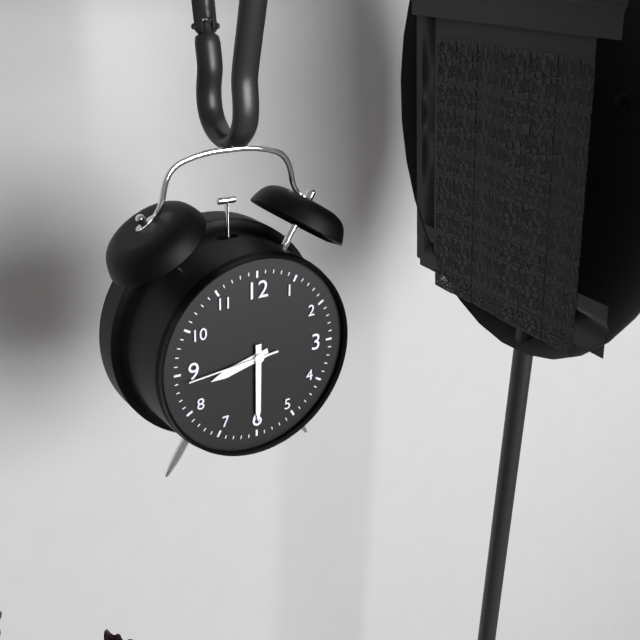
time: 8:30:44
